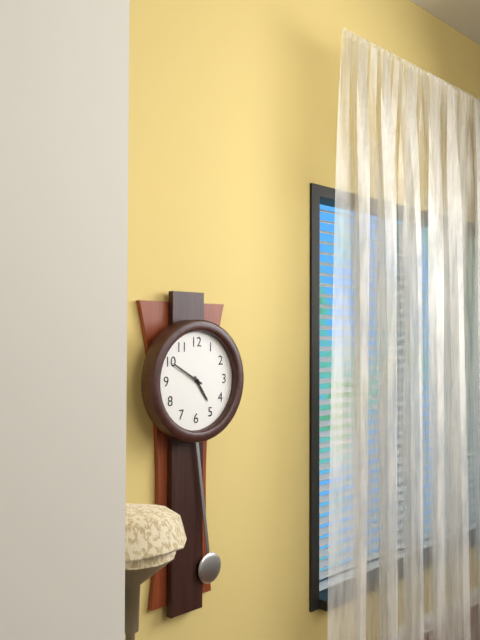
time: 4:50
